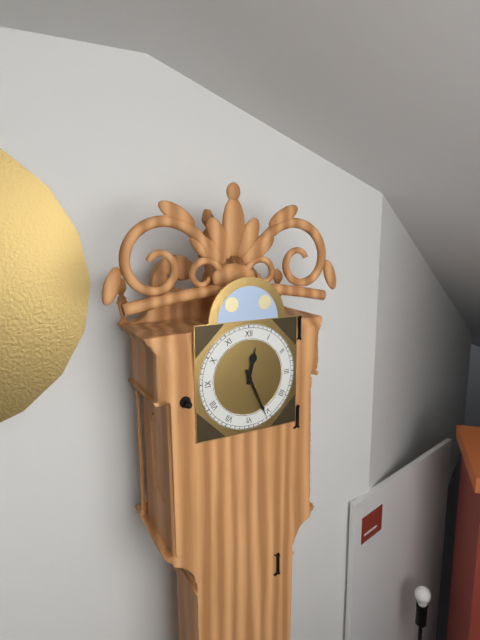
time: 12:26
